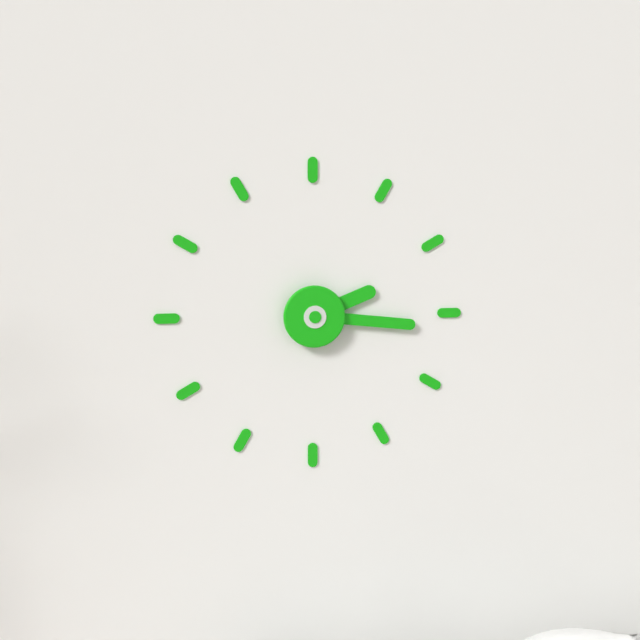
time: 2:16
